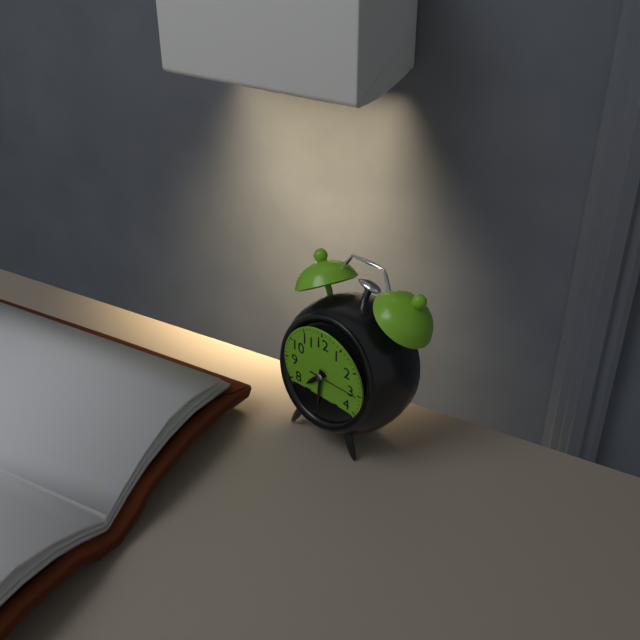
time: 7:31:15
